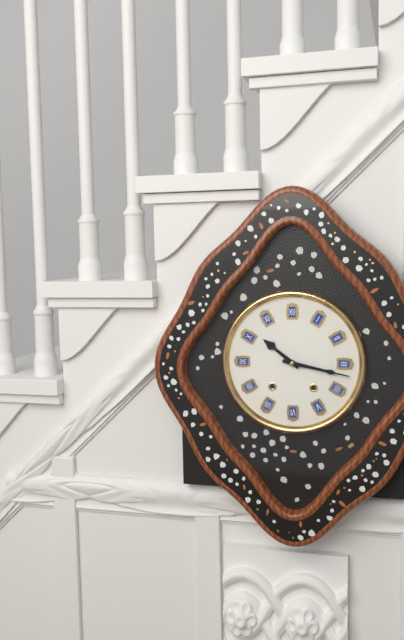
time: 10:17
